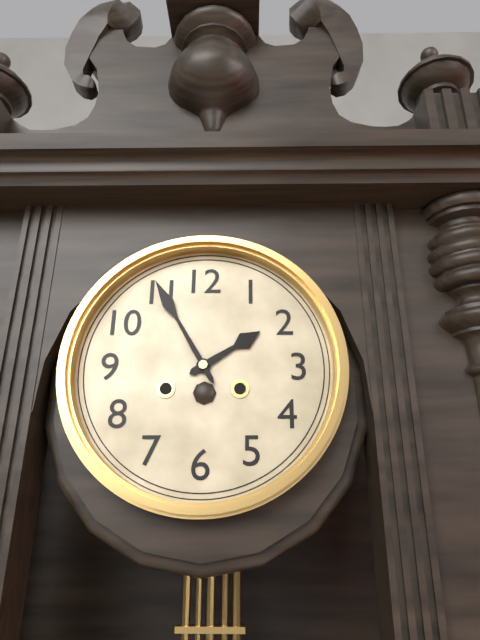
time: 1:55
